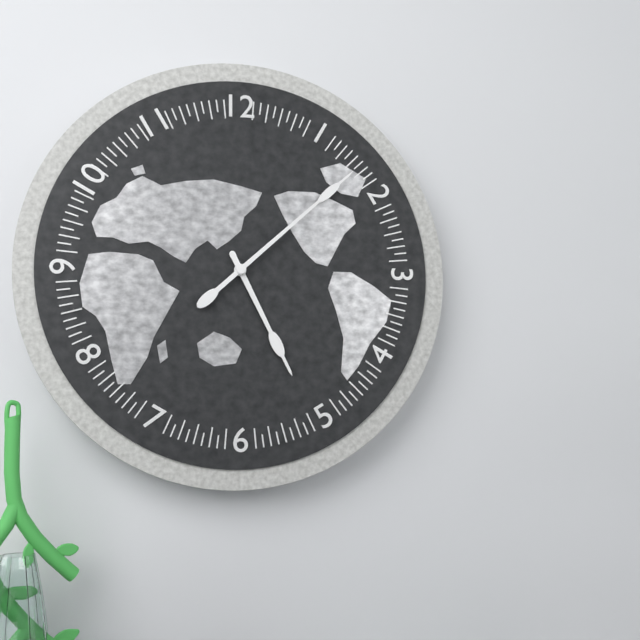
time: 5:08
